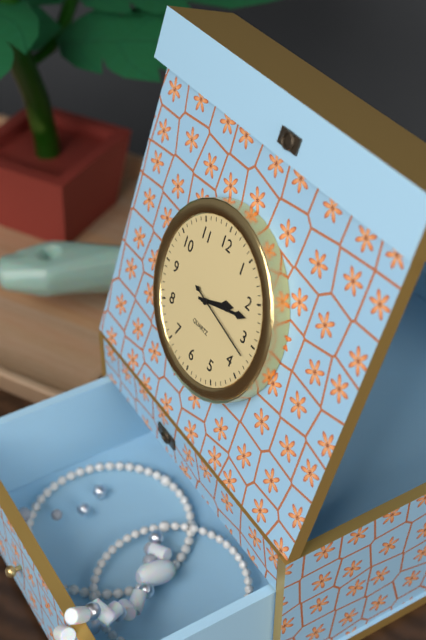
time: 2:12:17
